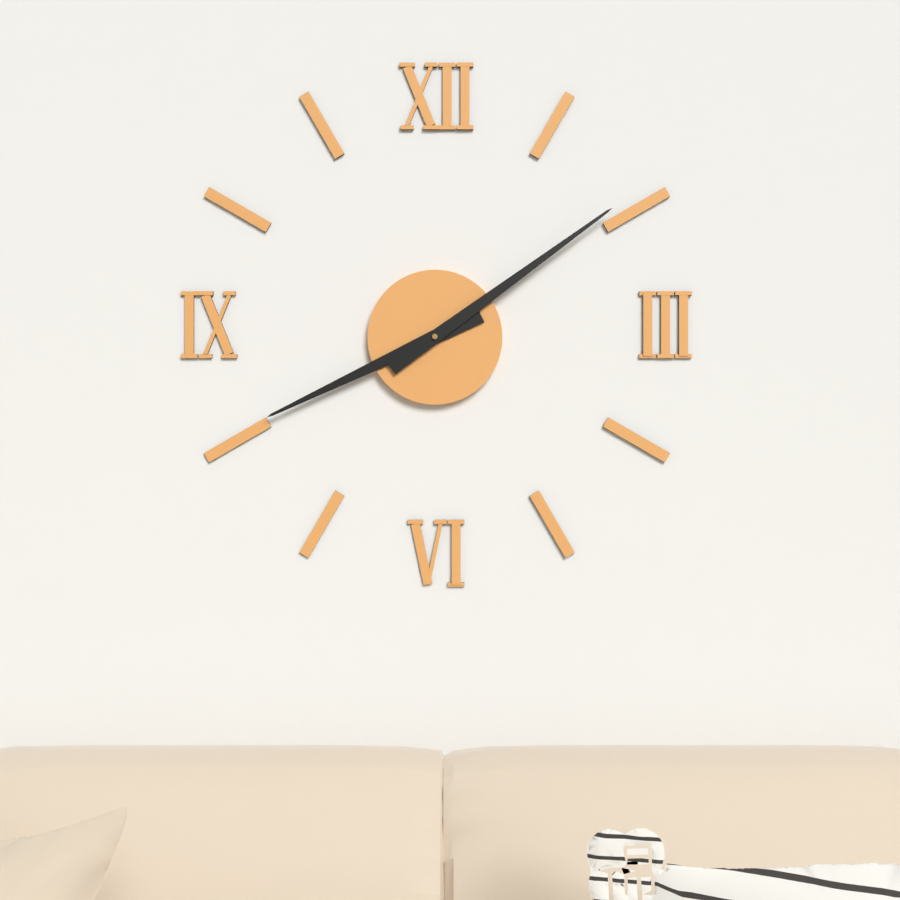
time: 8:09
